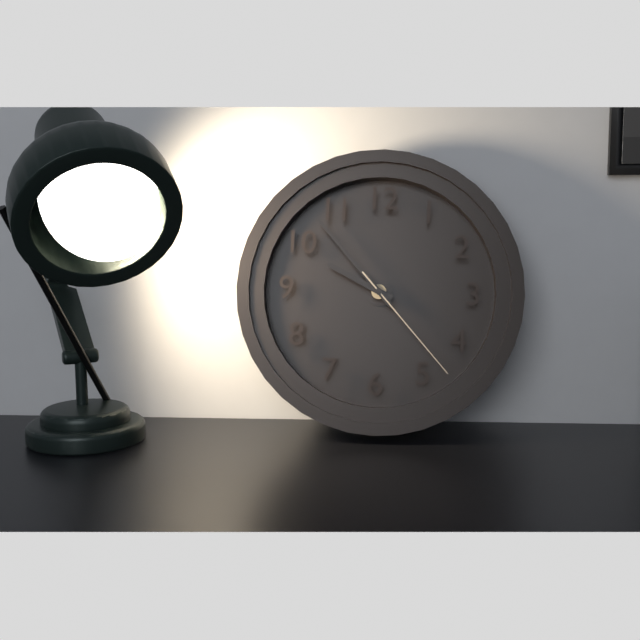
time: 9:53:23
